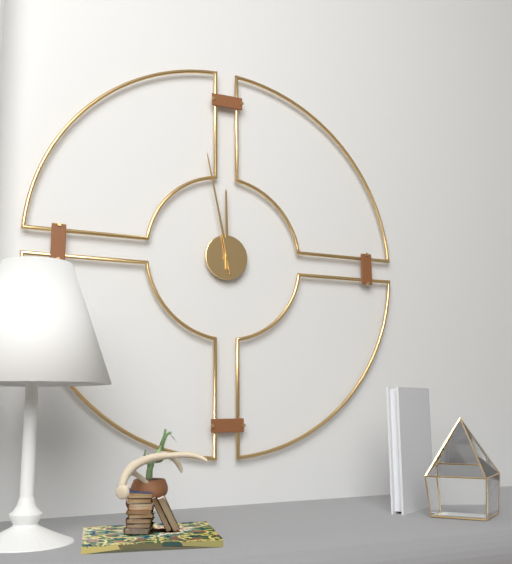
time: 11:58
